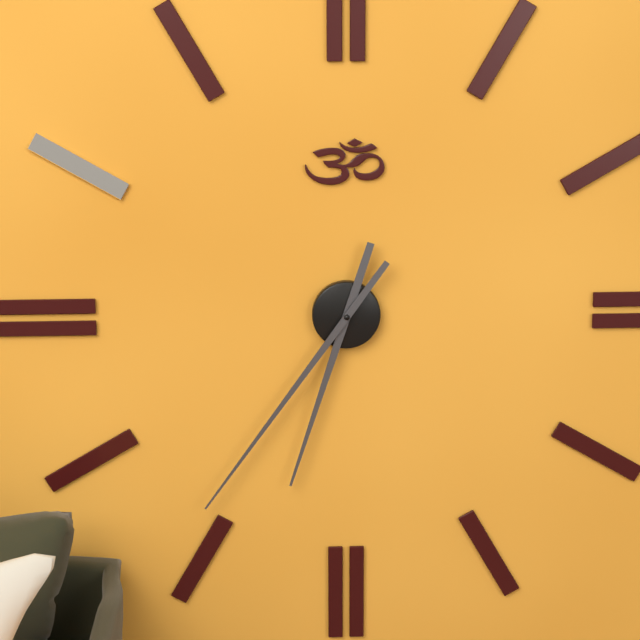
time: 6:36
